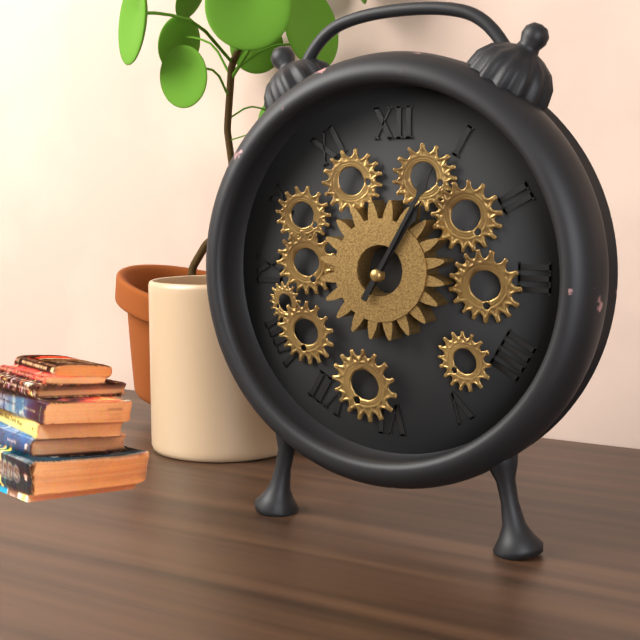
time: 1:05
